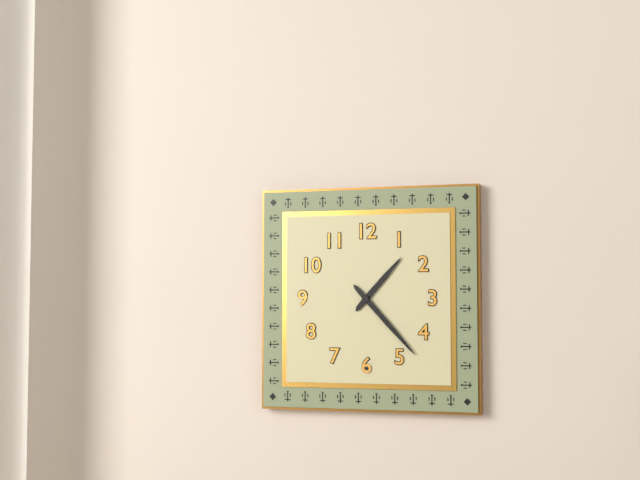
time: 1:23
